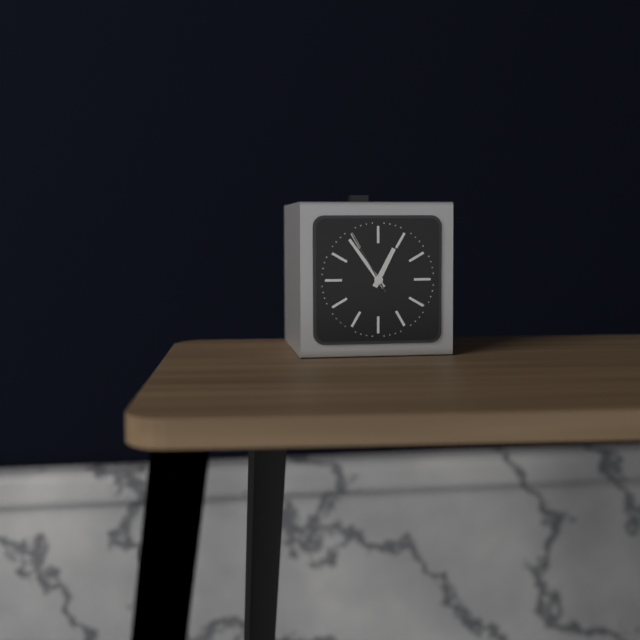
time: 12:54:55
